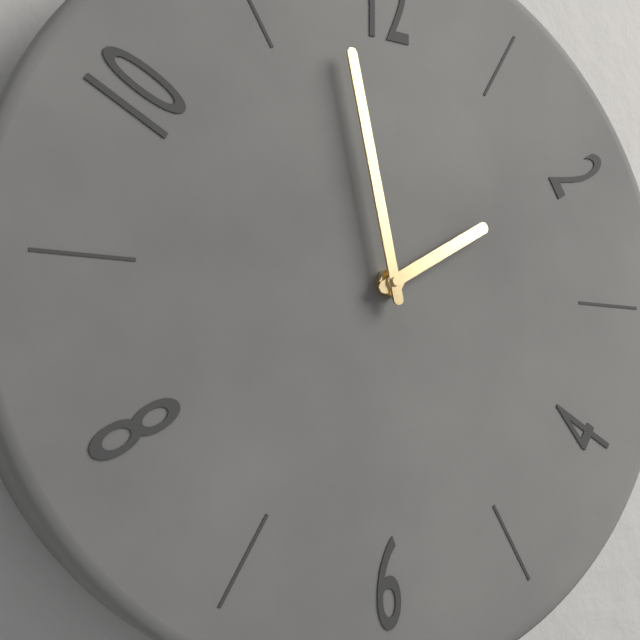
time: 1:58
